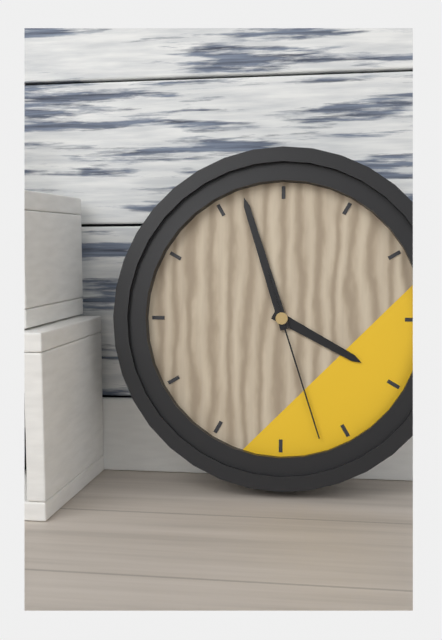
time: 3:57:27
